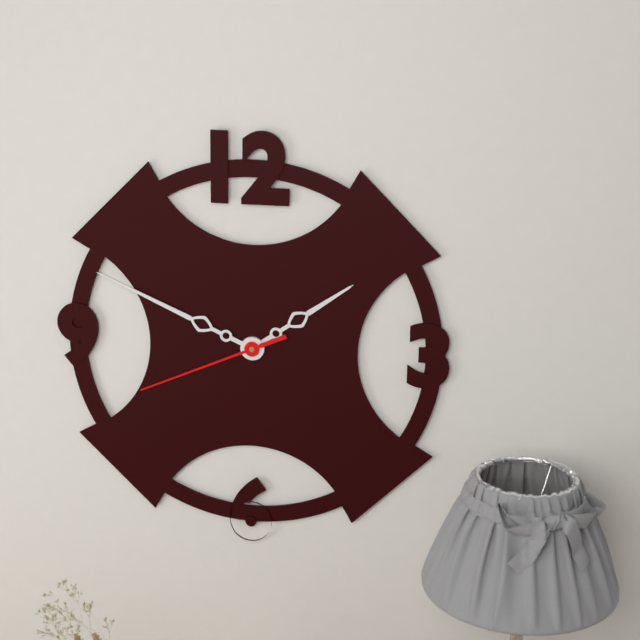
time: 1:49:41
